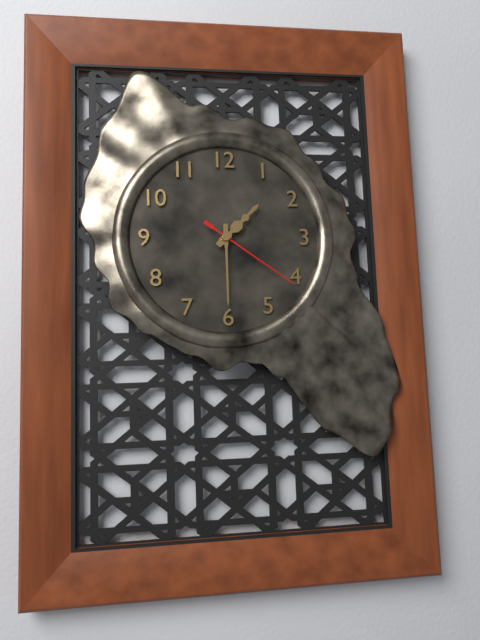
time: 1:30:21
